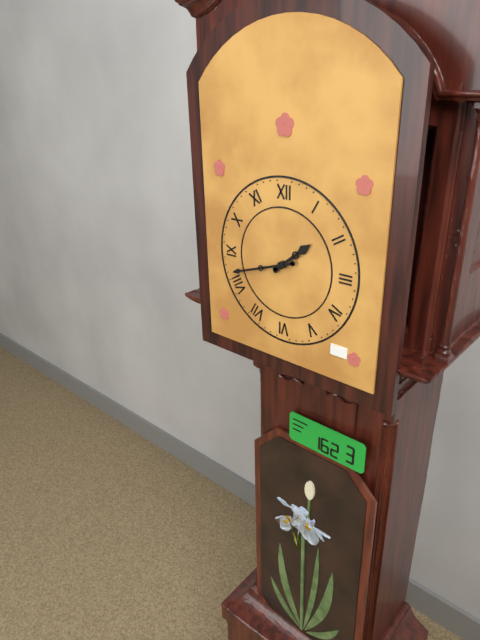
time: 1:42
